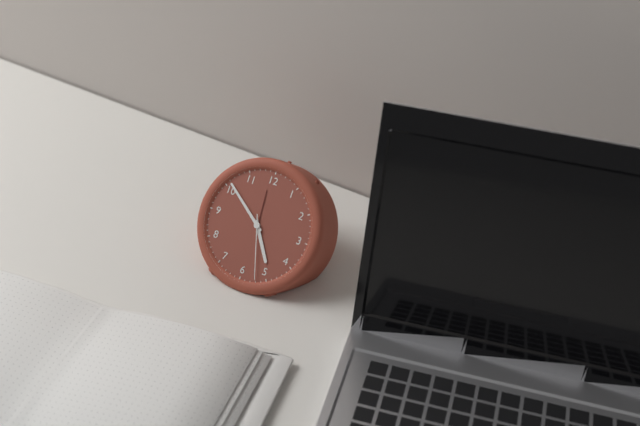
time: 4:51:27
